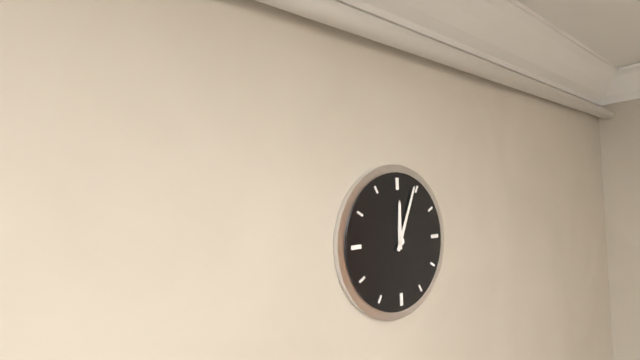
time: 12:04
